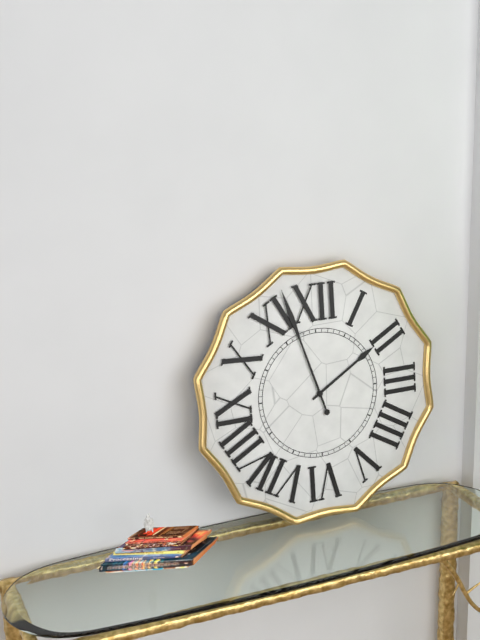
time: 1:57
